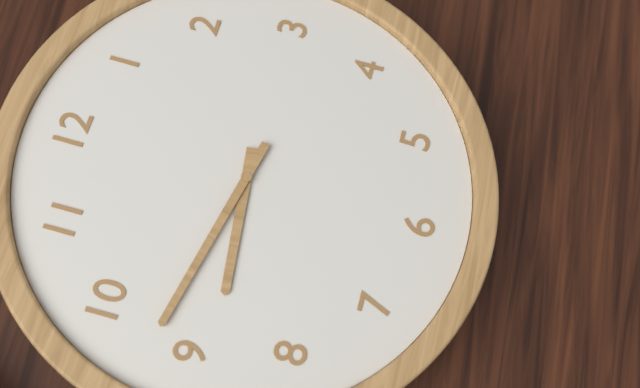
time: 8:47
